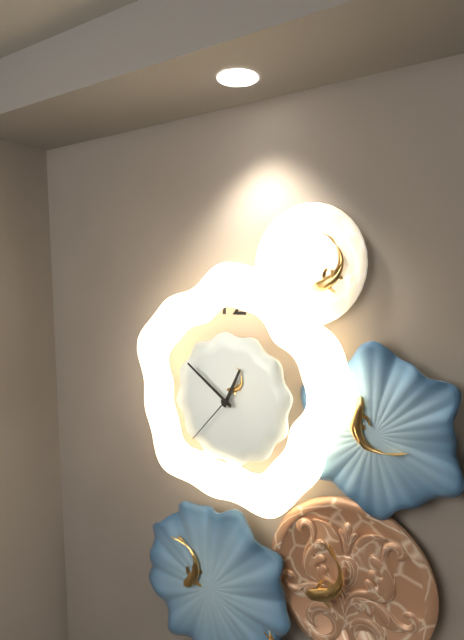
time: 12:51:37
